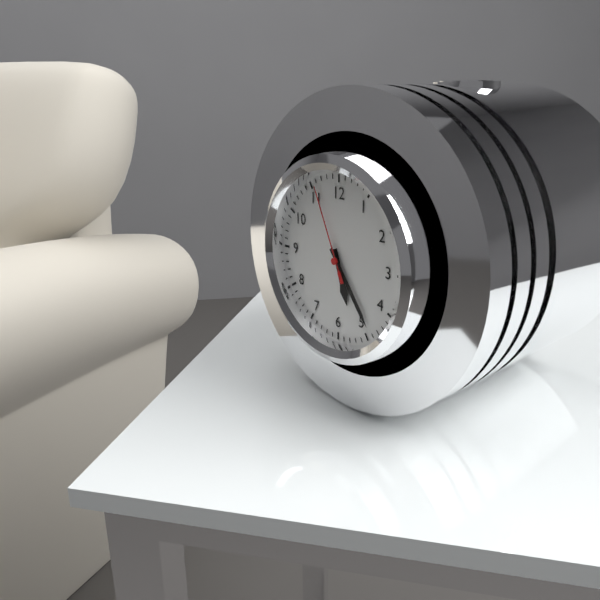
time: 5:24:56
